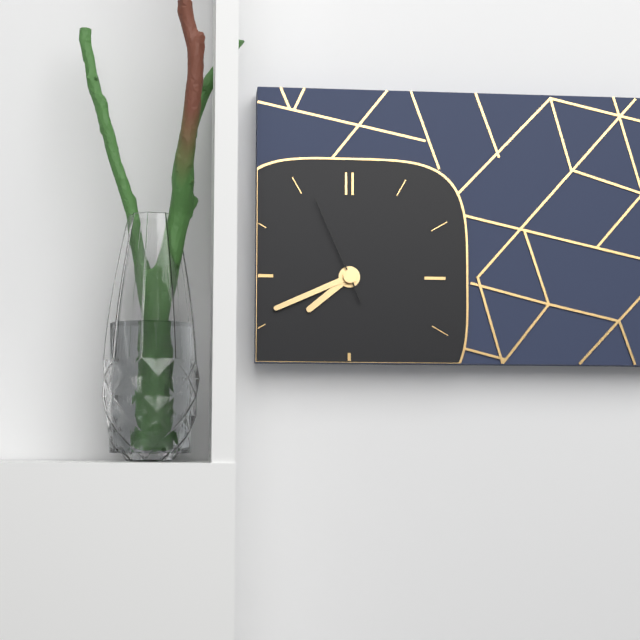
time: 7:41:56
